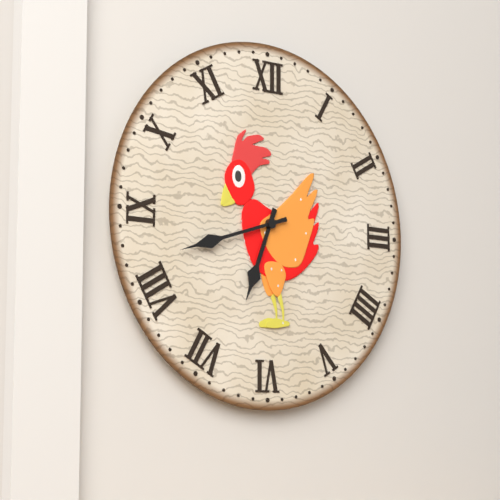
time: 6:42
